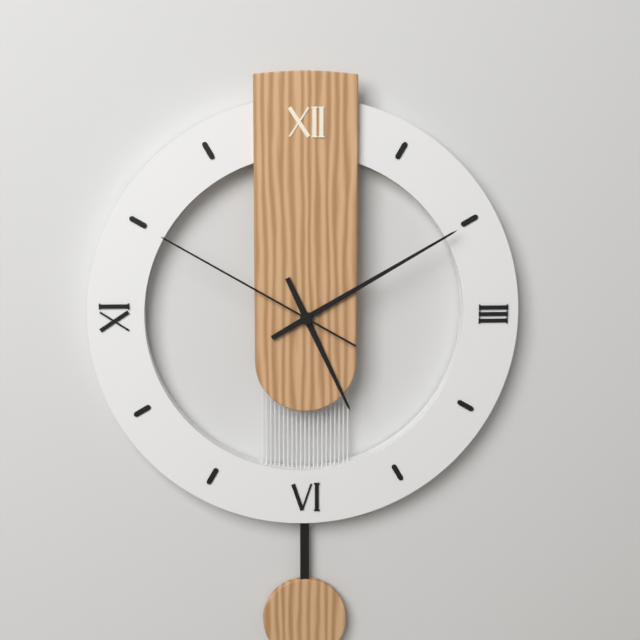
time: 5:10:50
